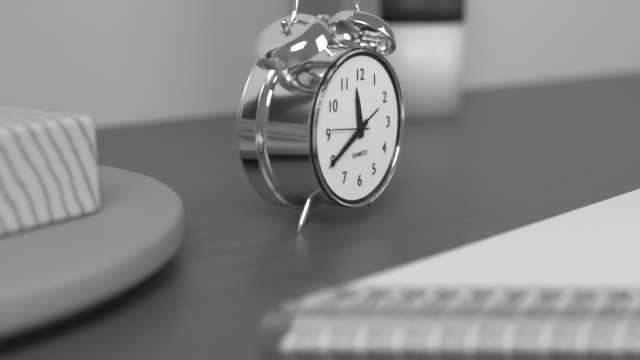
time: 11:40
